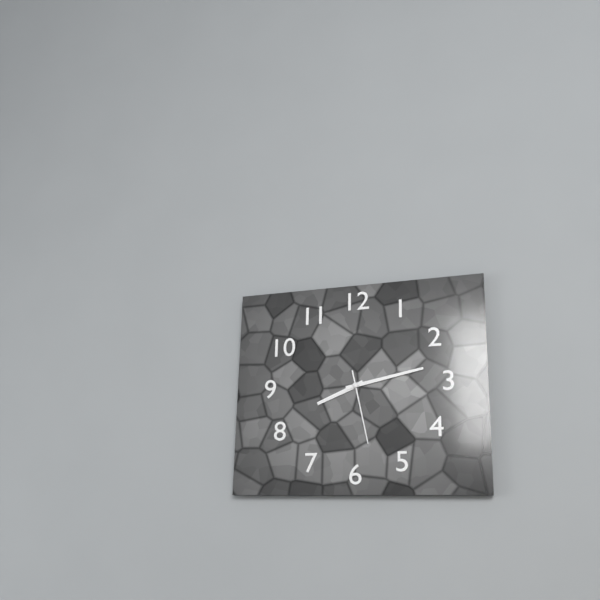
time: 8:13:28
